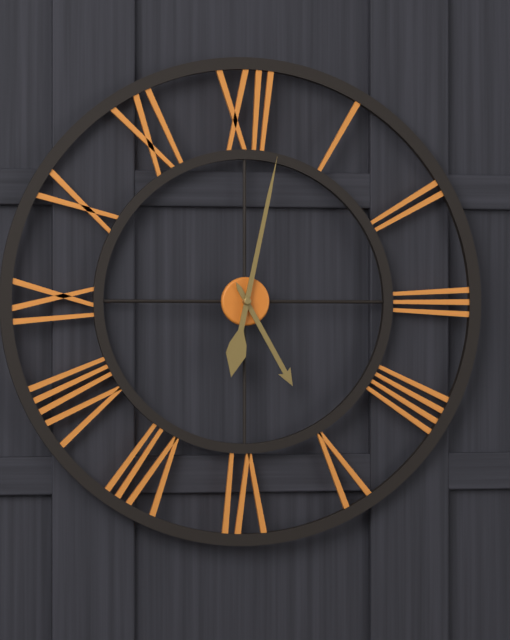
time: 5:02
